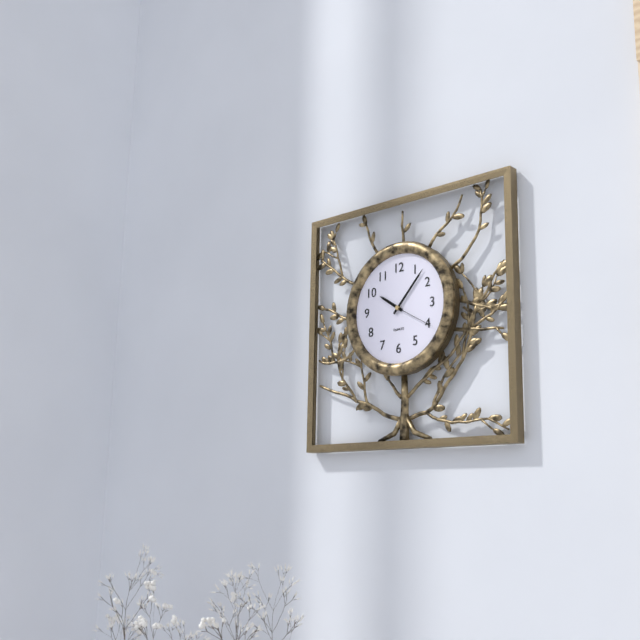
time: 10:07:20
